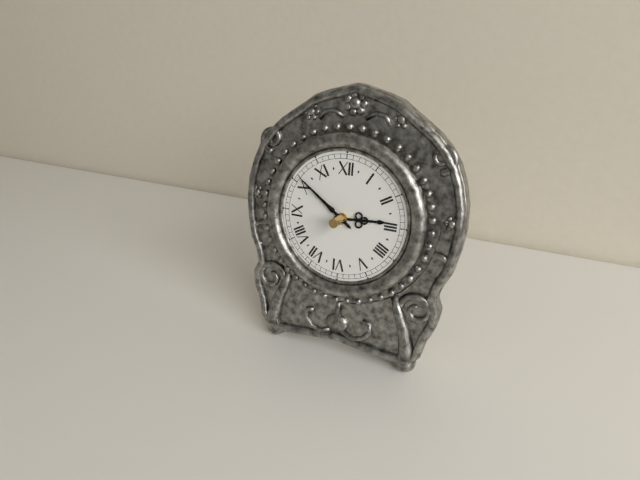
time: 2:51
